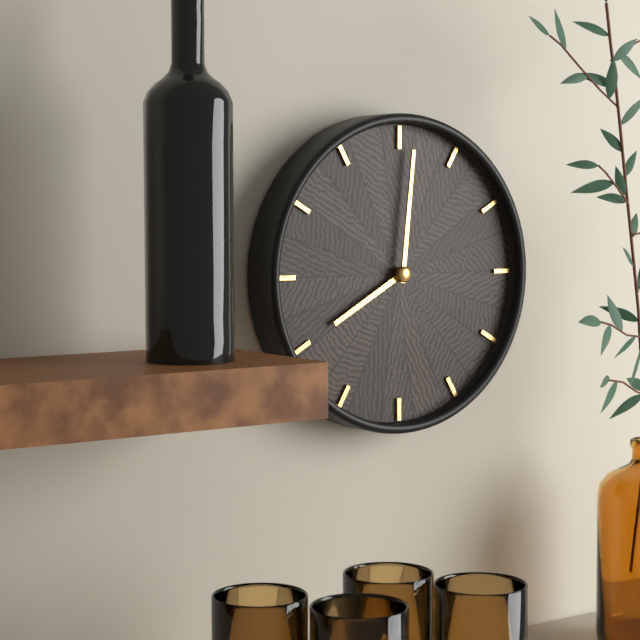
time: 8:01
